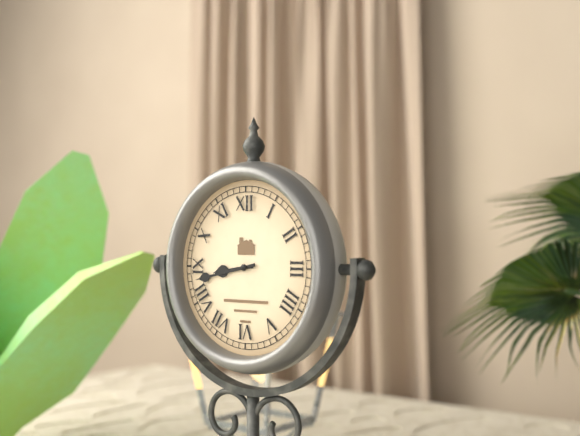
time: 8:43
